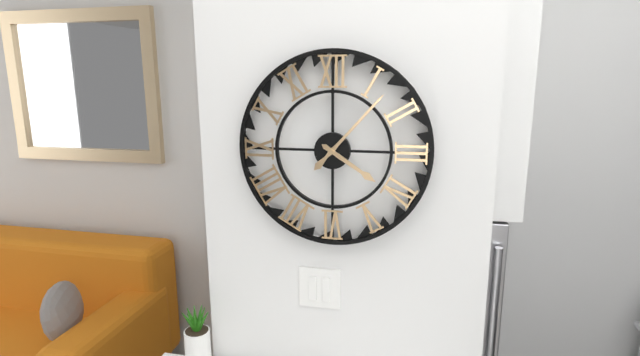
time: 4:07
